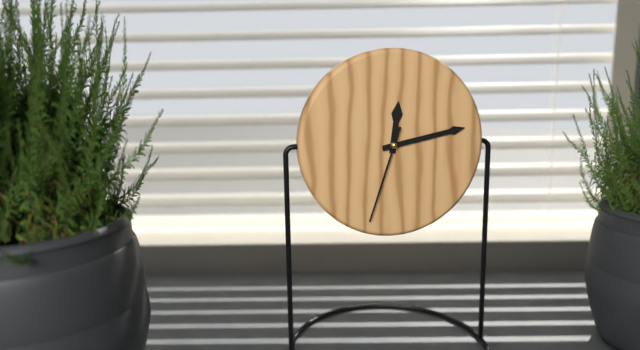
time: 12:13:33
